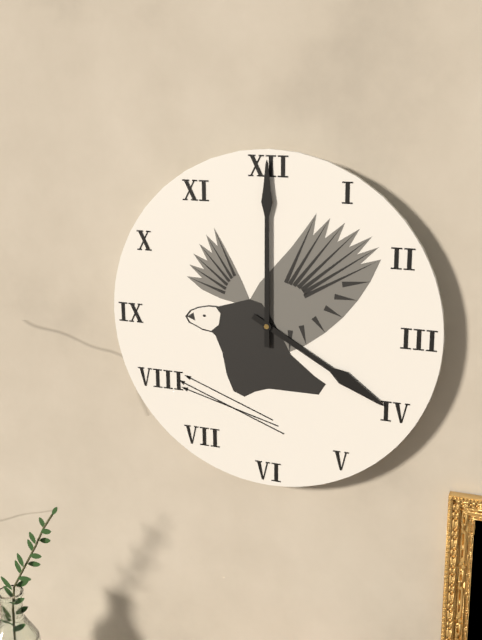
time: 4:00
